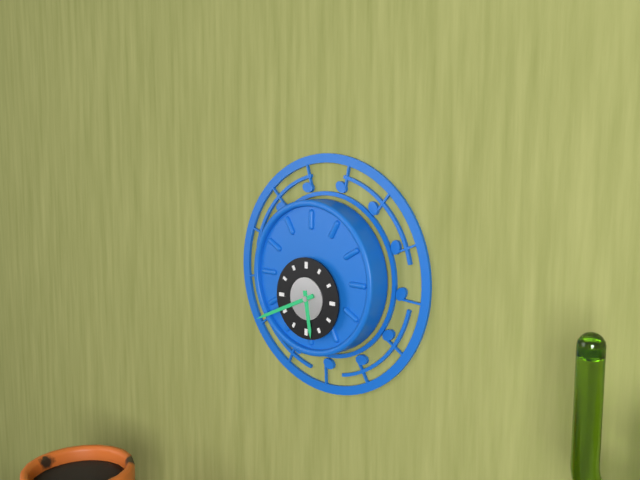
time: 5:41
